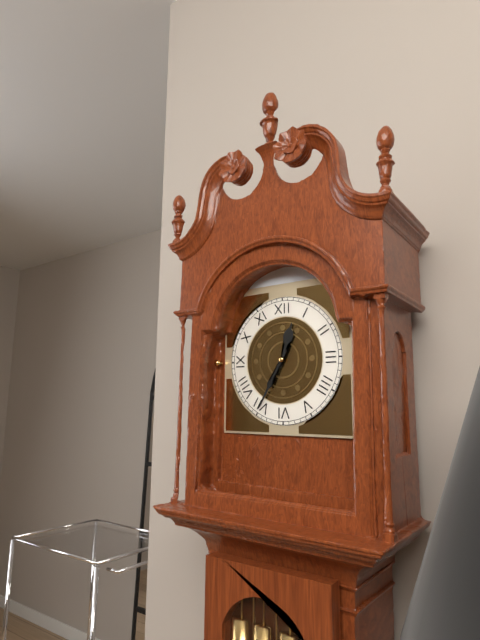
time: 12:35
